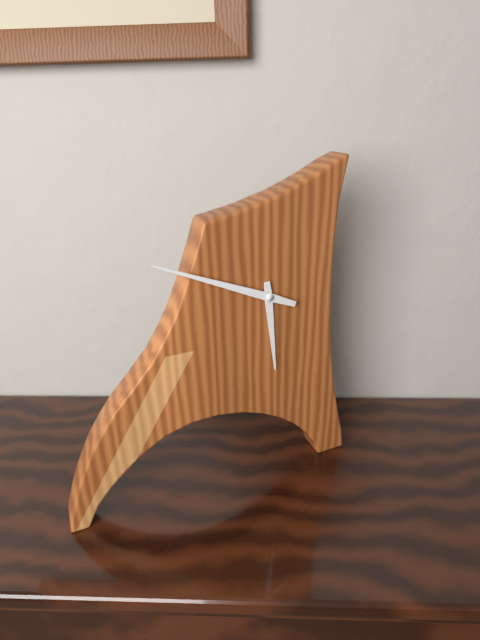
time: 5:49
